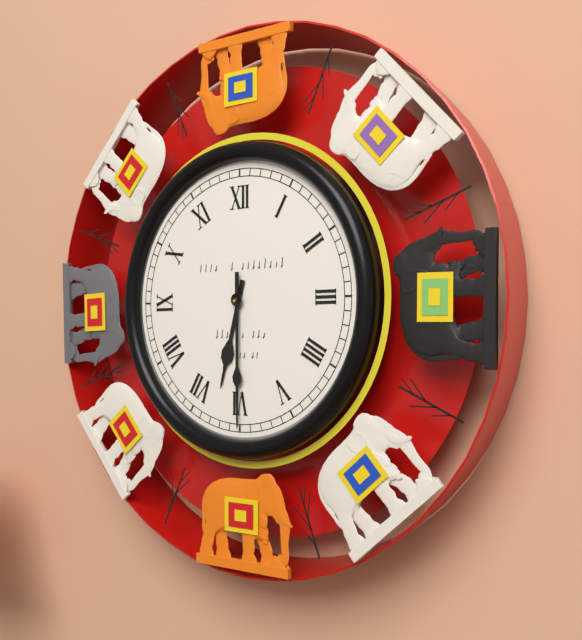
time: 6:30
